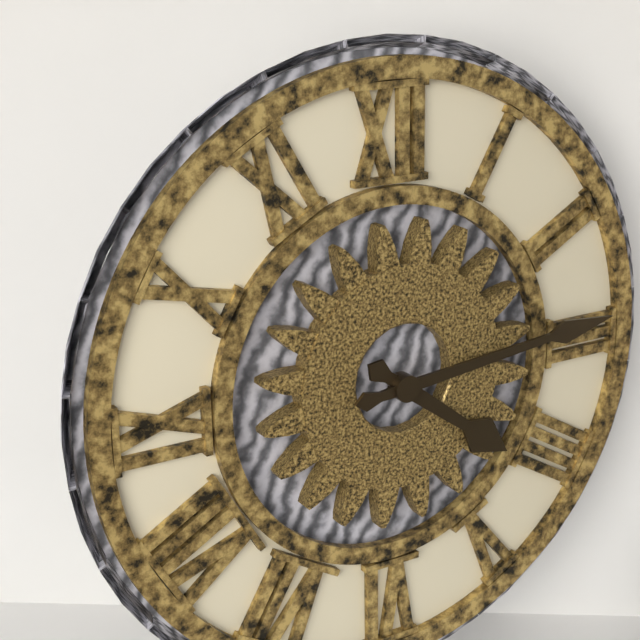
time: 4:14
